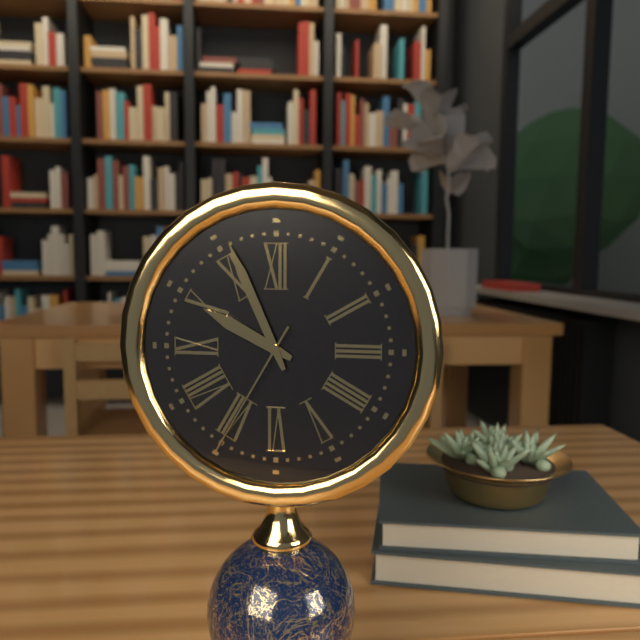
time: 9:56:35
